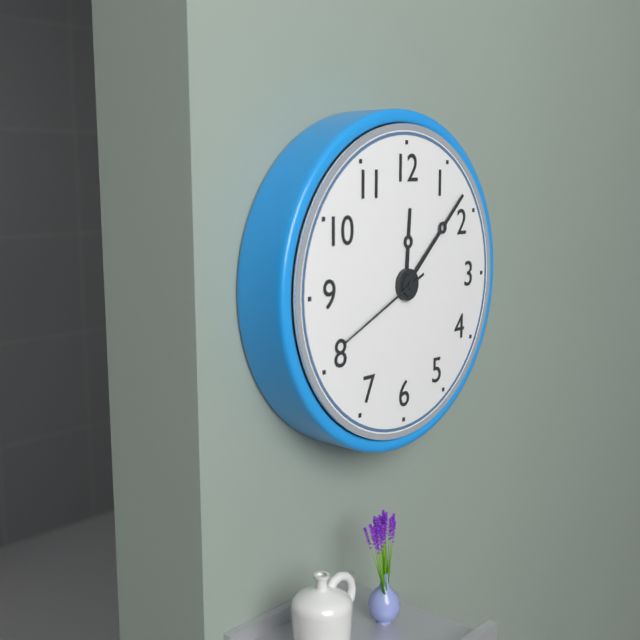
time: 12:08:41
